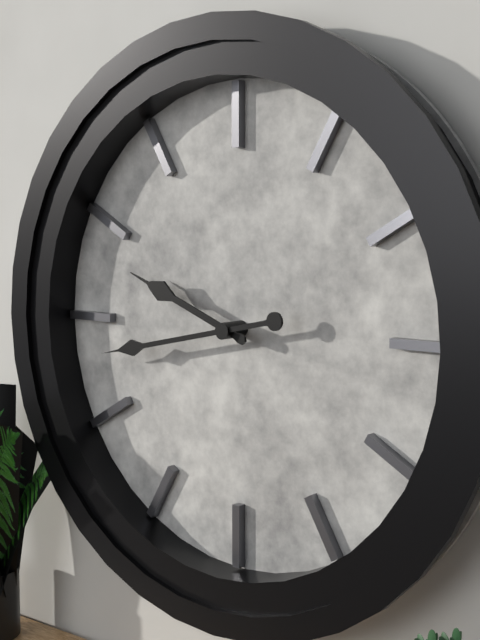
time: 9:43
